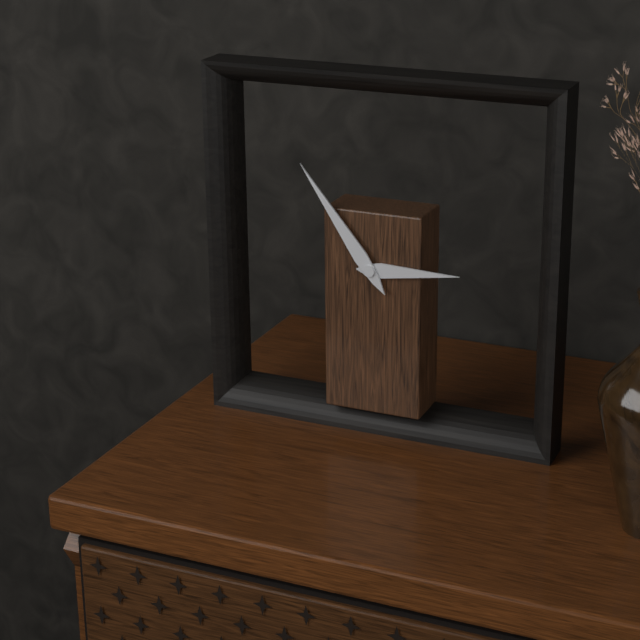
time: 2:54
